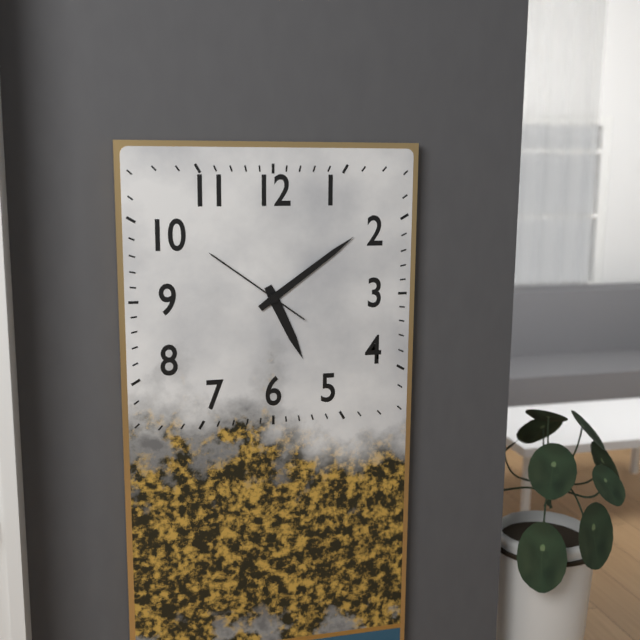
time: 5:09:51
